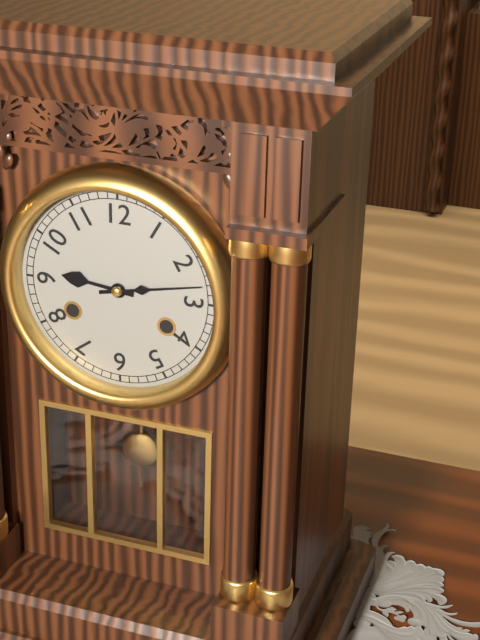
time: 9:13
